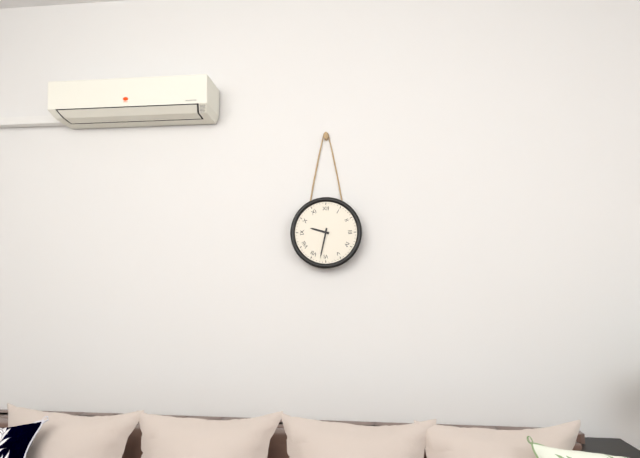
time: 9:32
